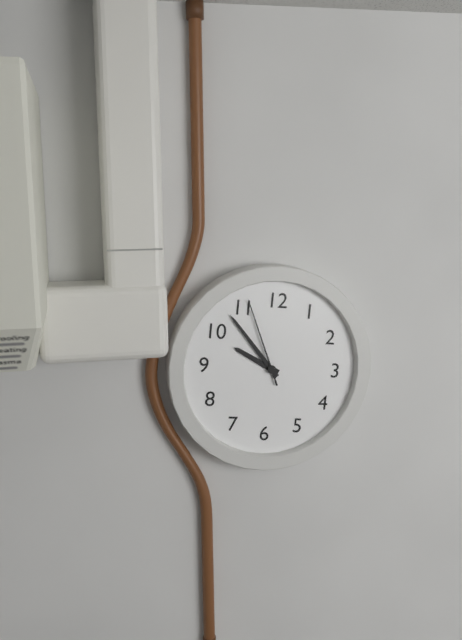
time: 9:53:56
